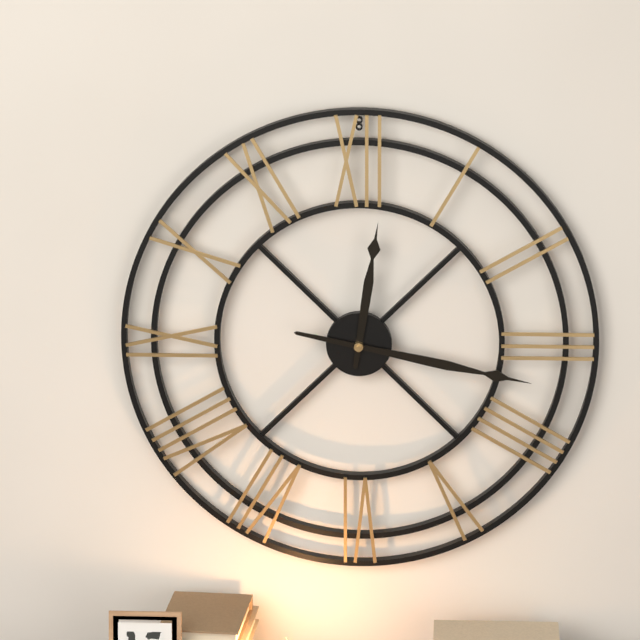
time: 12:17
